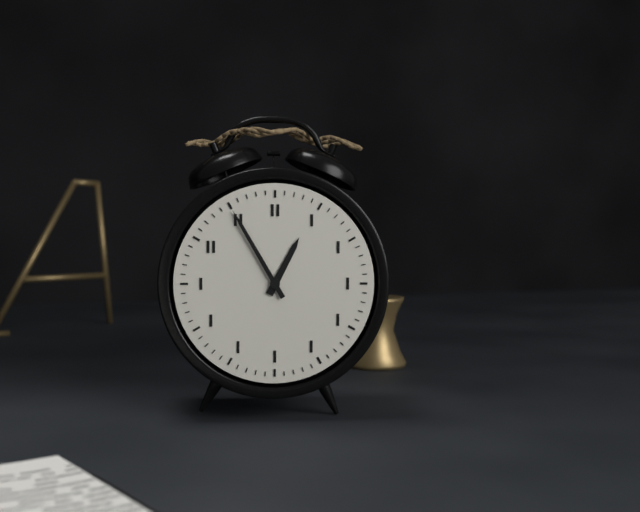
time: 12:55
